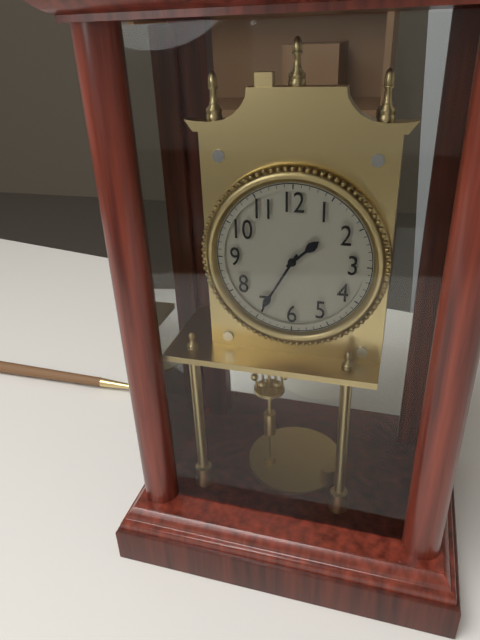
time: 1:35
